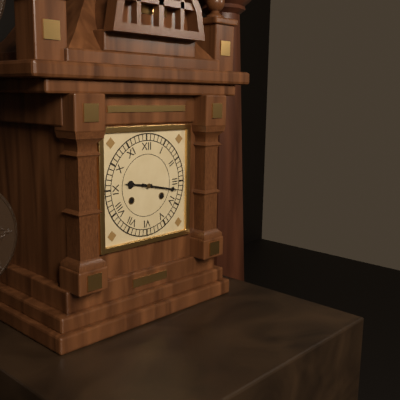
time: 9:17
